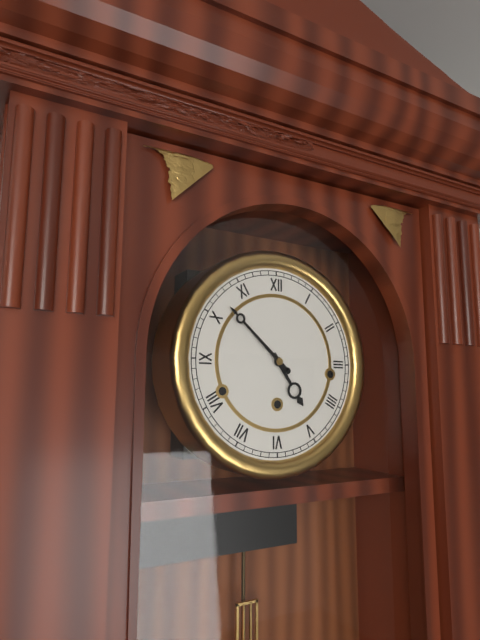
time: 4:52
